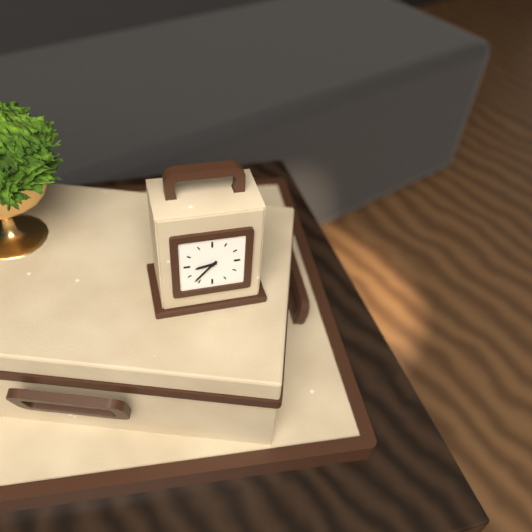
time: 8:37
